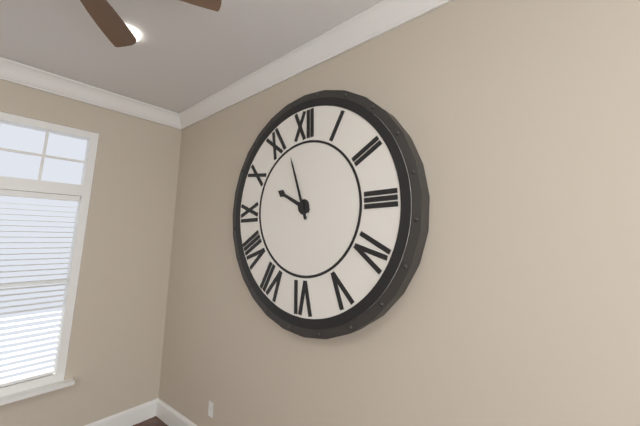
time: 9:57
